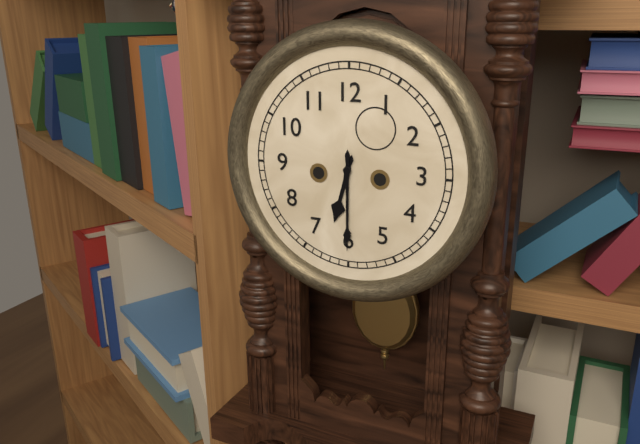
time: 6:30
